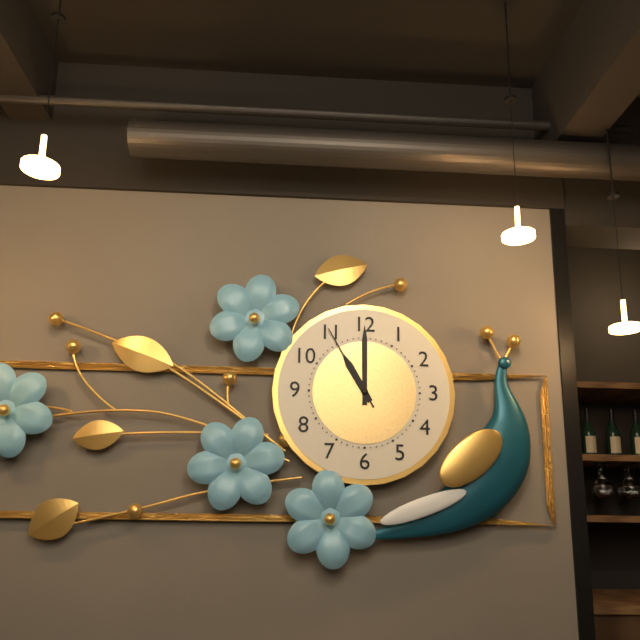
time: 11:00:55
